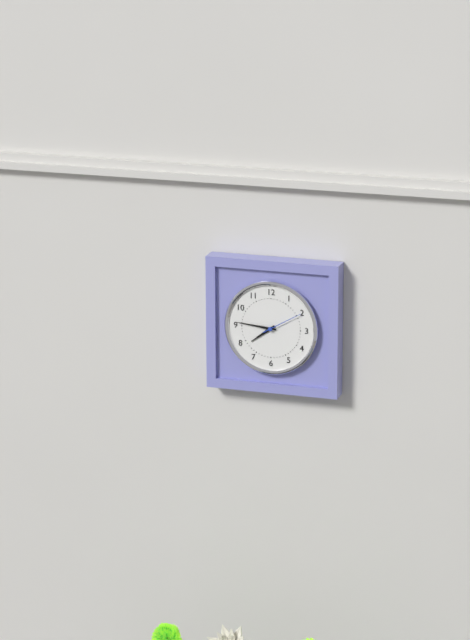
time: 7:46
